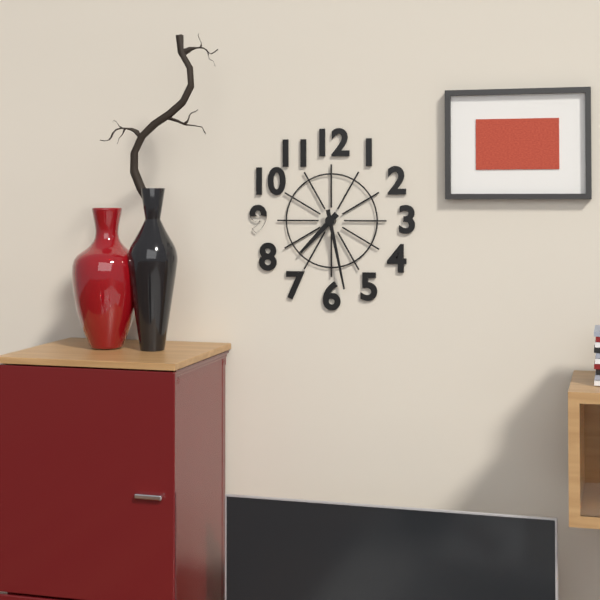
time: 7:28
